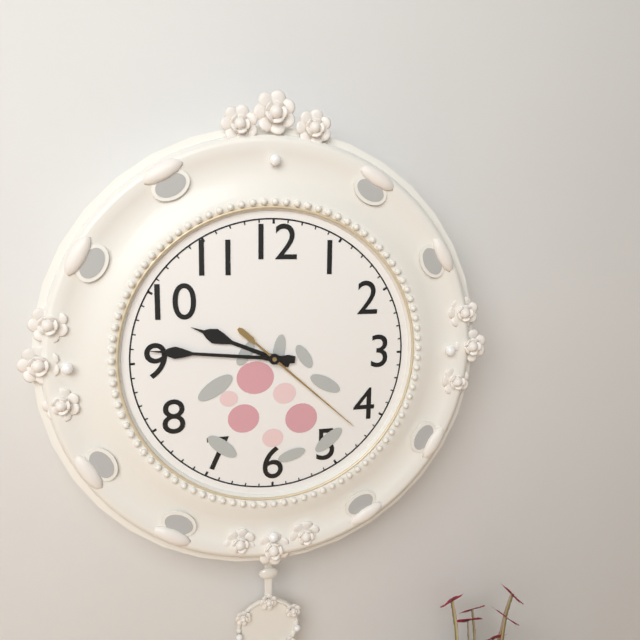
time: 9:46:22
